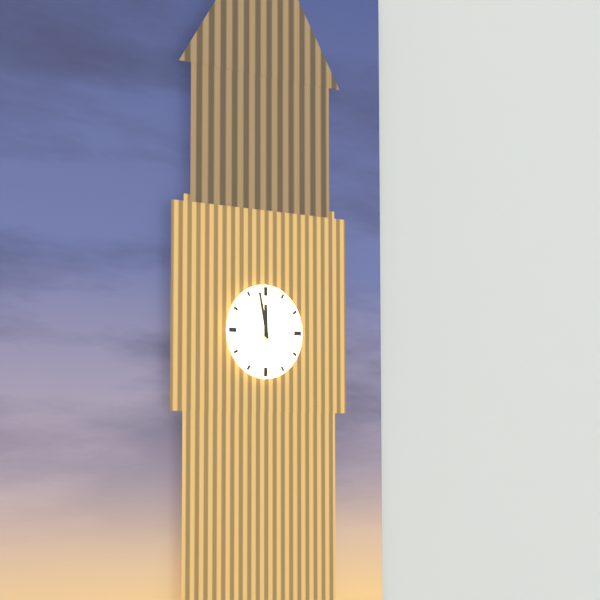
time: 11:58
